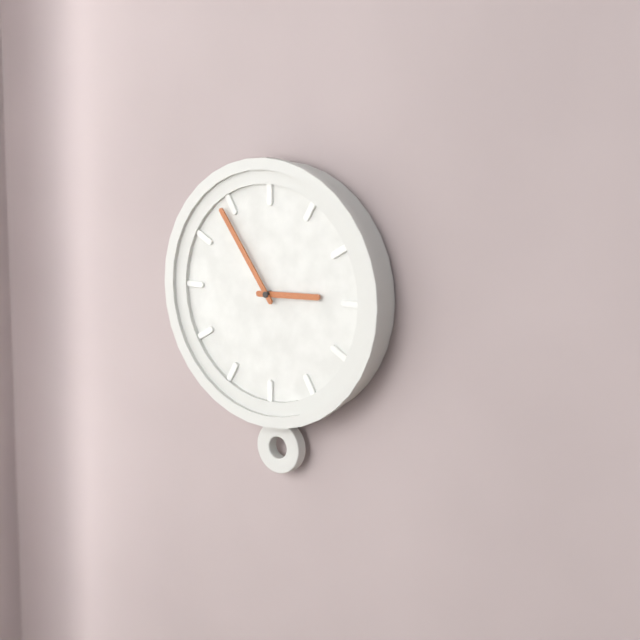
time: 2:54
